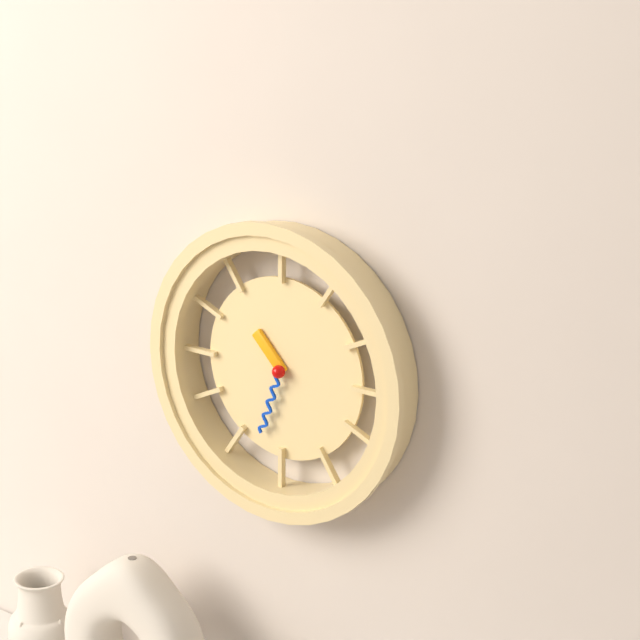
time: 10:33
